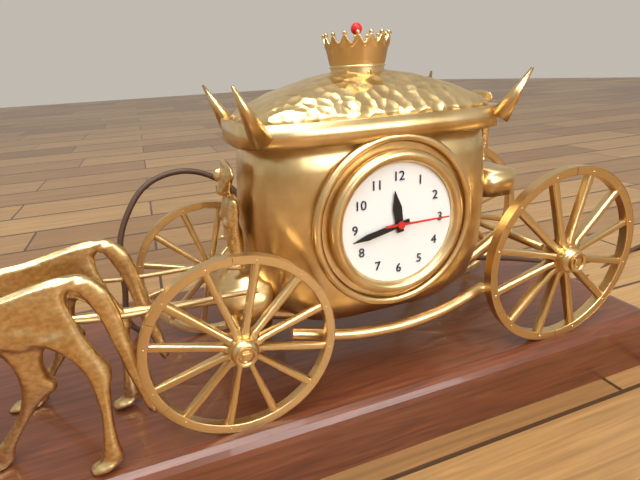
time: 11:43:15
